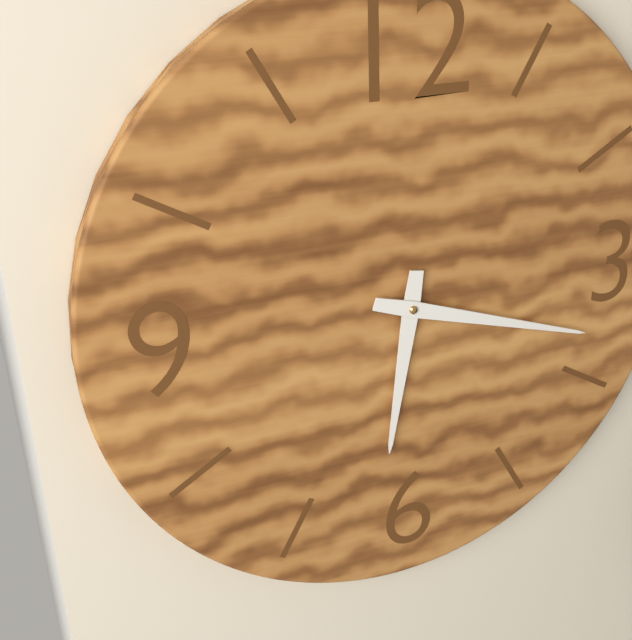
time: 6:18
